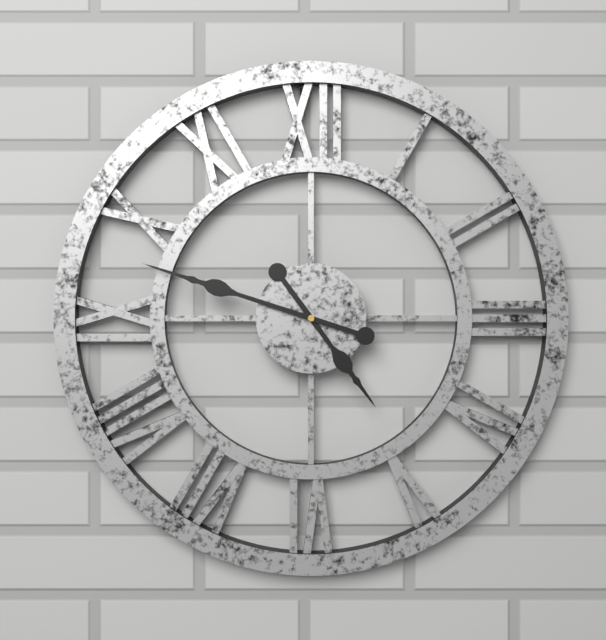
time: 4:48
